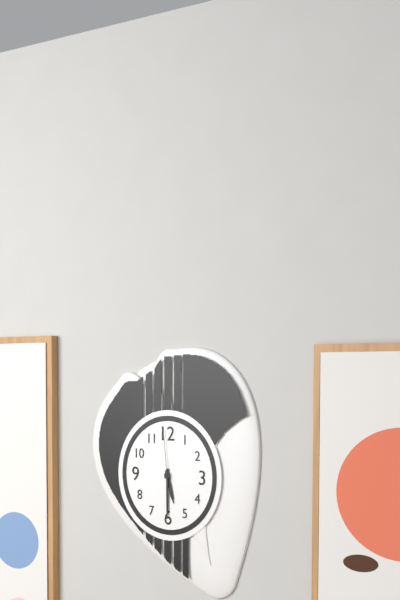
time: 5:30:59
